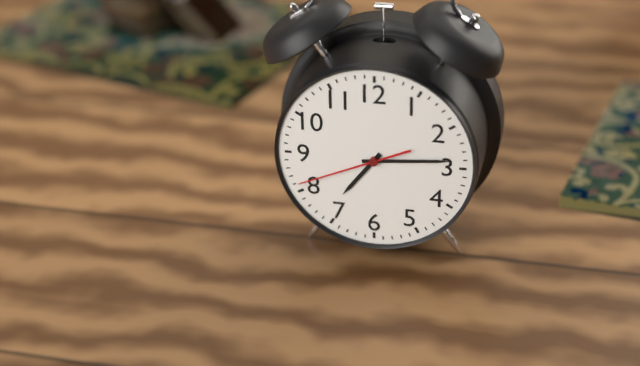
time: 7:14:41
